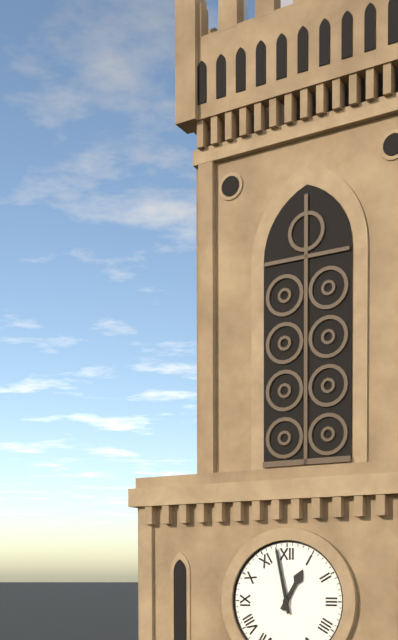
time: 12:58
